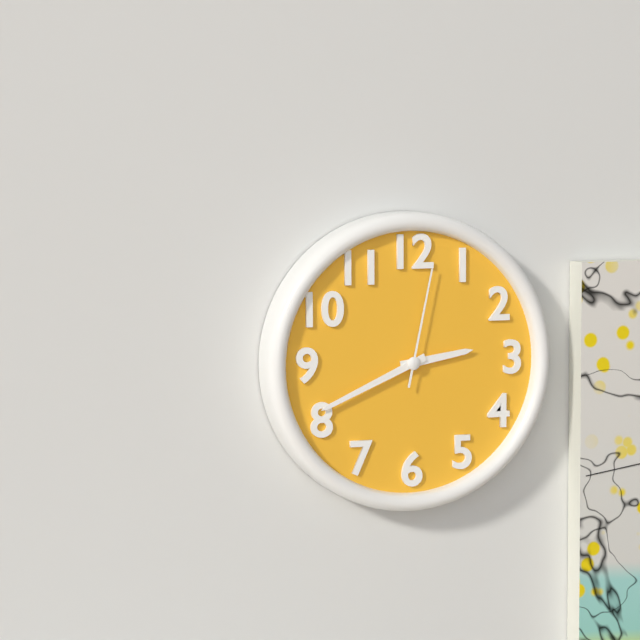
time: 2:41:02
